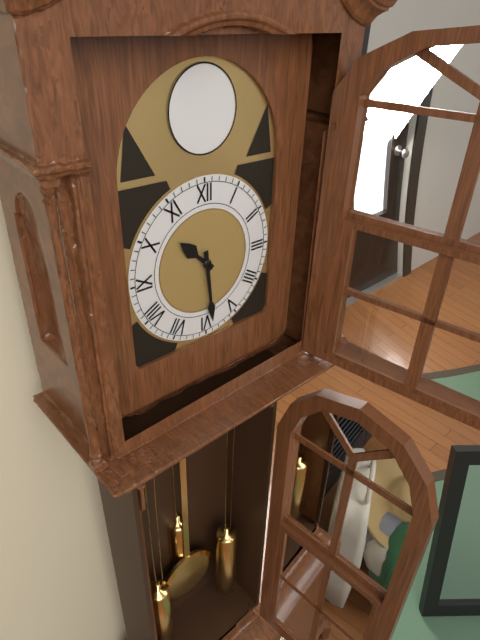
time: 10:29
